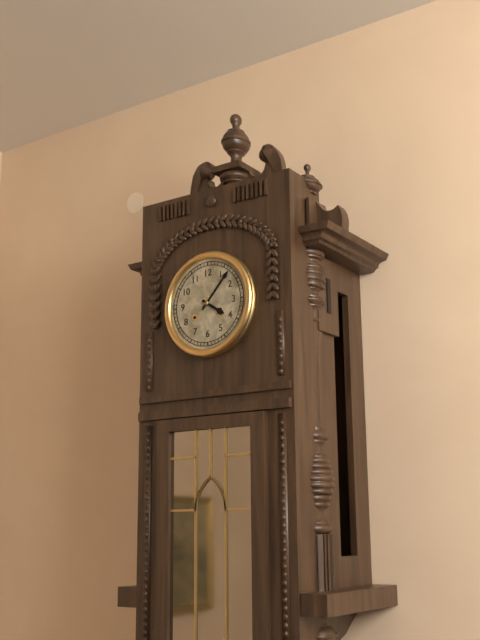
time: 4:07
